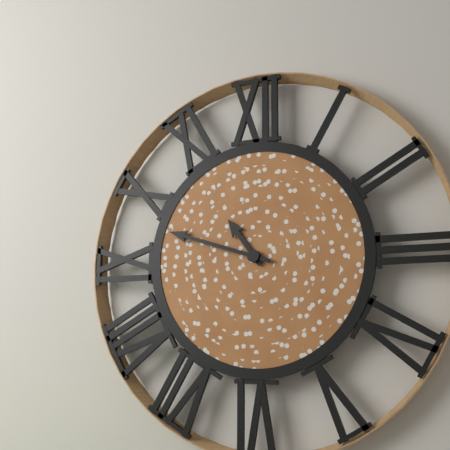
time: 10:48
